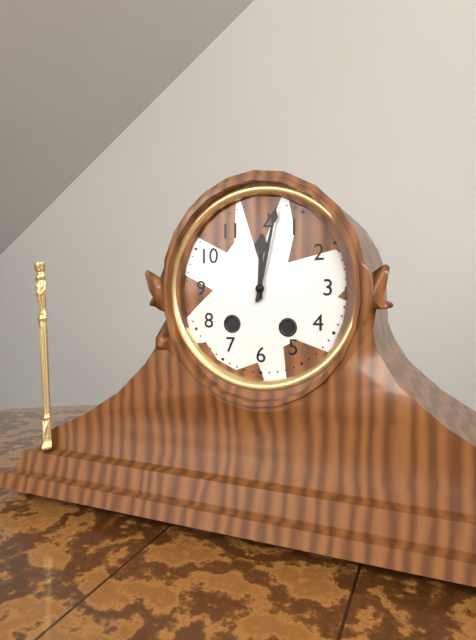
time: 12:02
